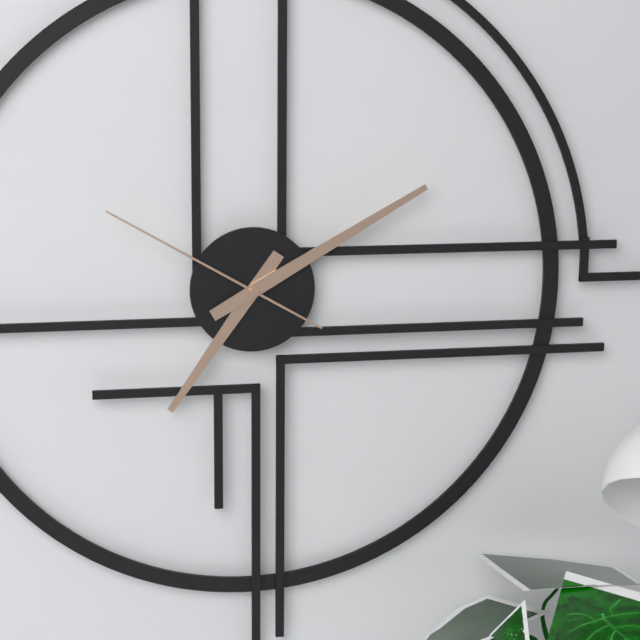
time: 7:10:50
